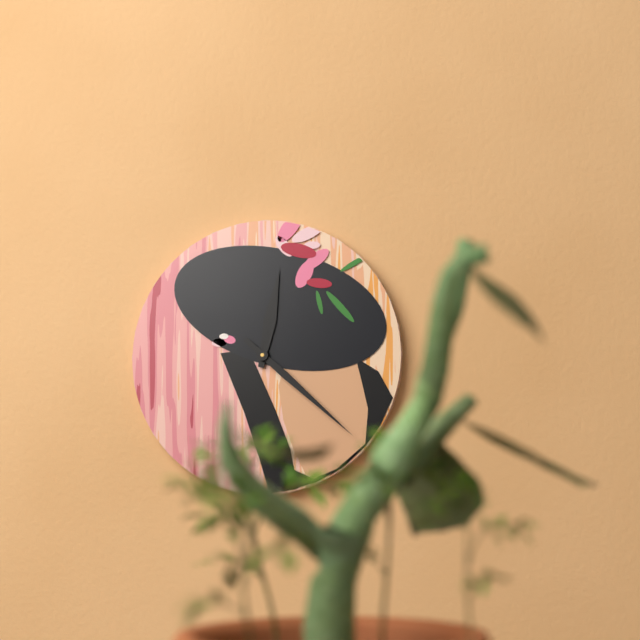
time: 12:22
